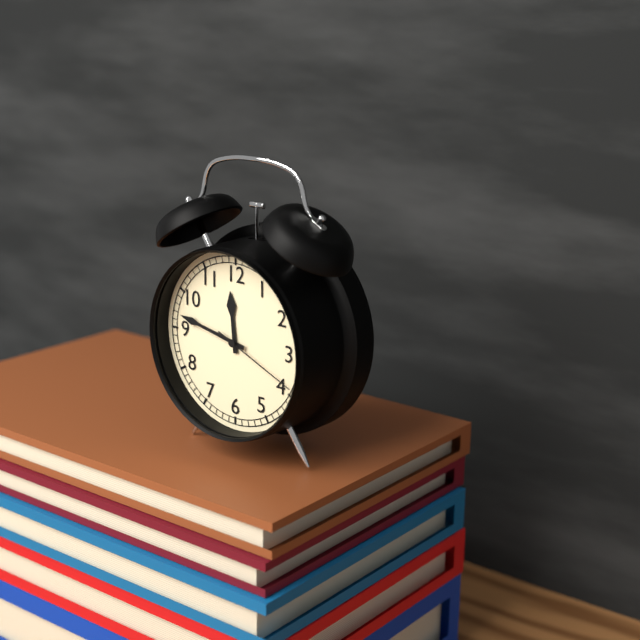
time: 11:47:19
